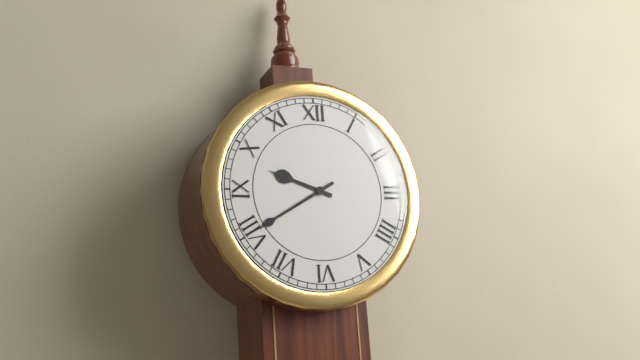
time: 9:40
